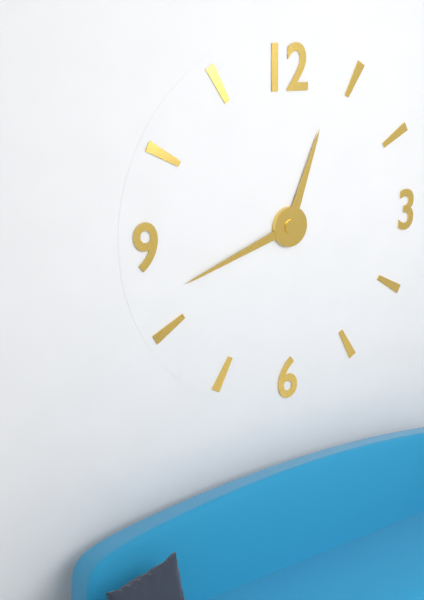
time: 12:42
